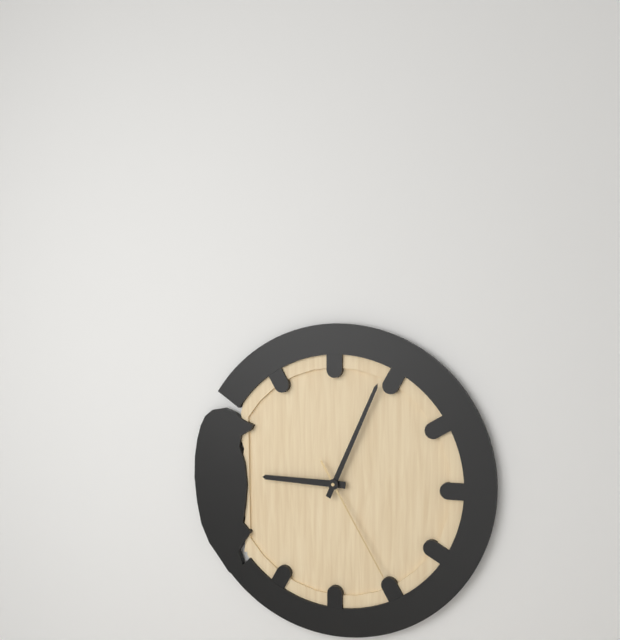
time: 9:04:25
